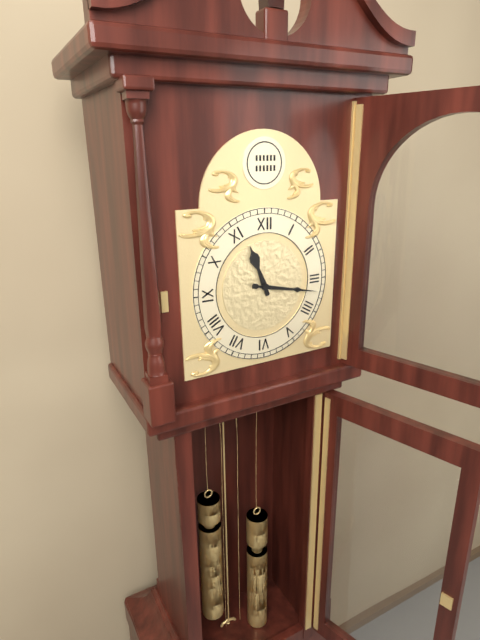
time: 11:17
